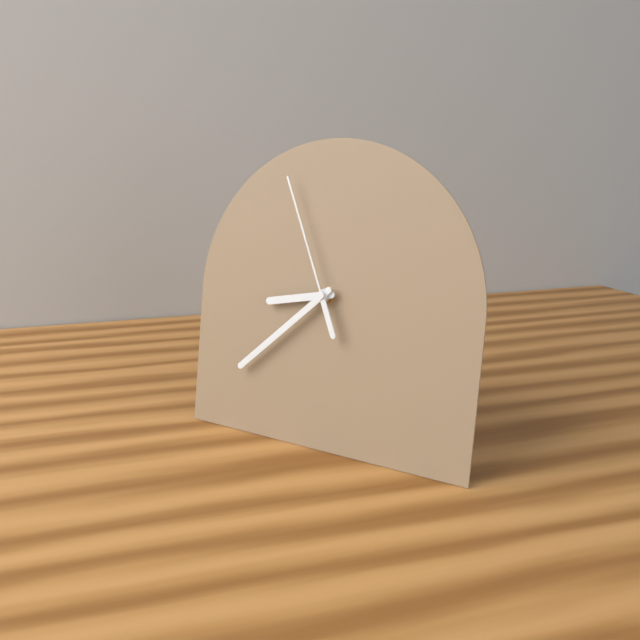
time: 8:38:56
